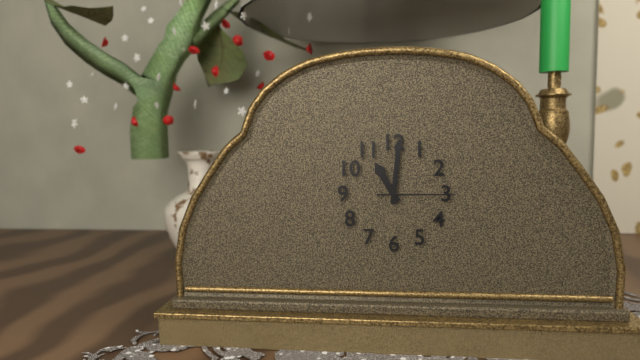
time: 11:01:15
